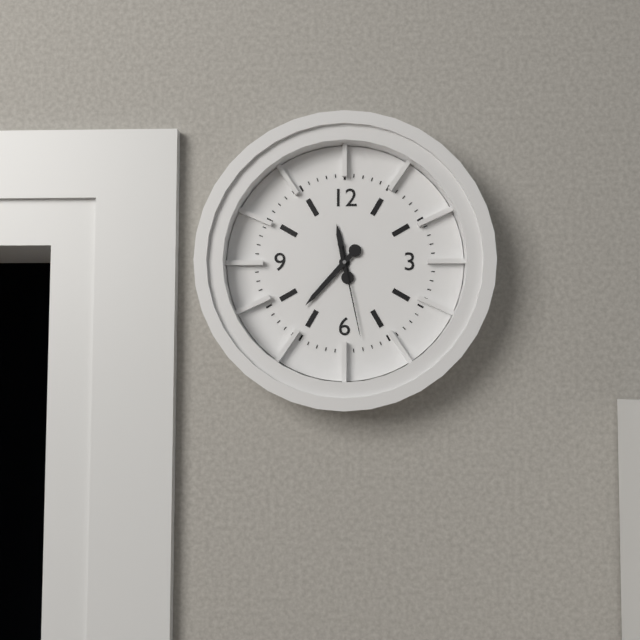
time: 11:37:28
